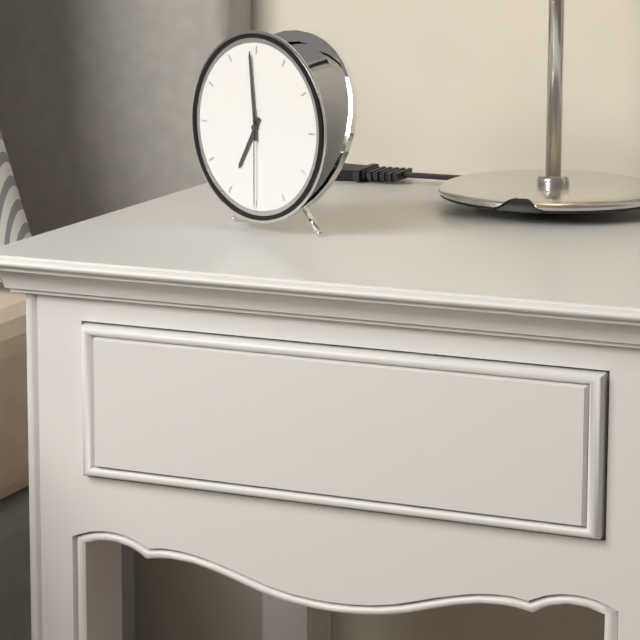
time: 6:59:30
